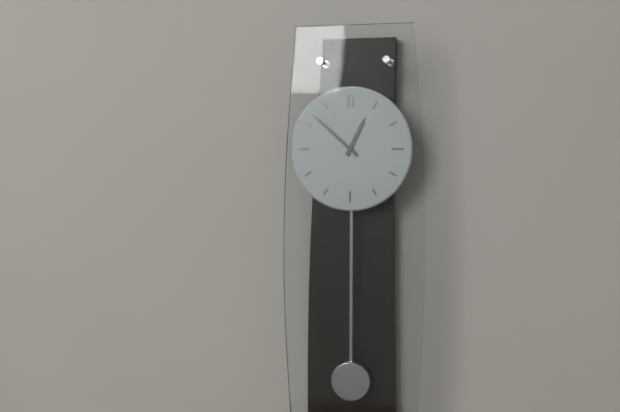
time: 12:52
